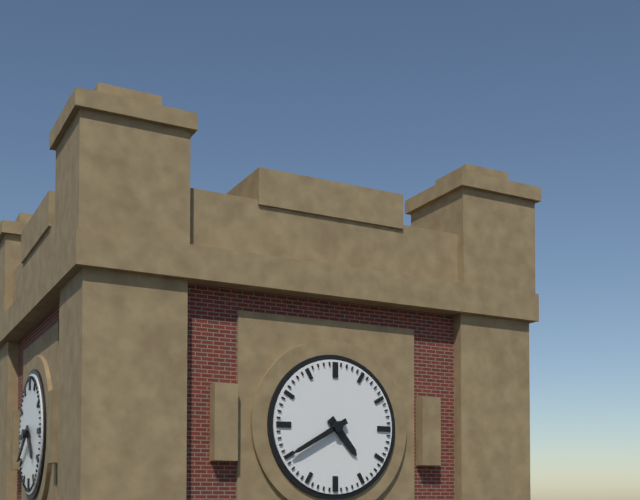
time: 4:40
